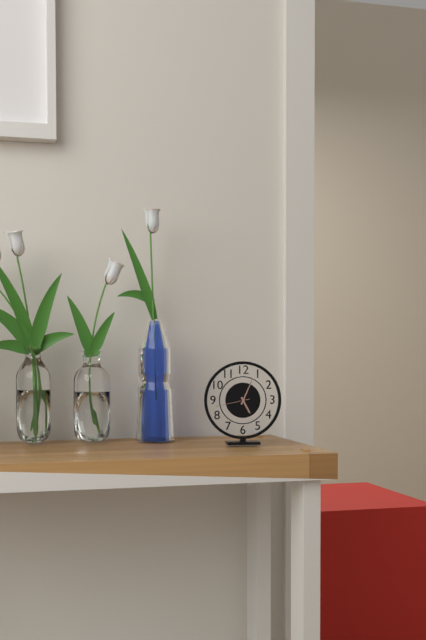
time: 5:04
